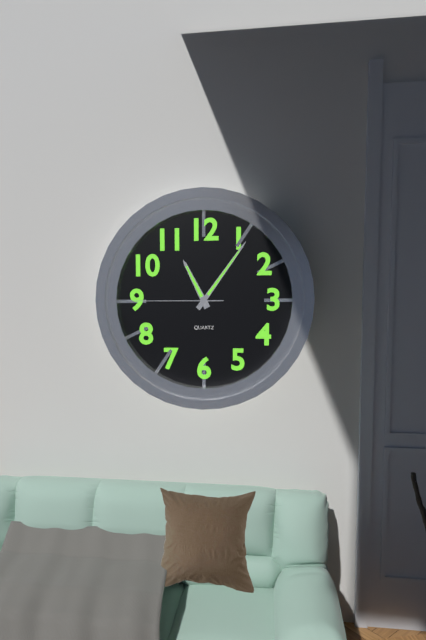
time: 11:06:45
